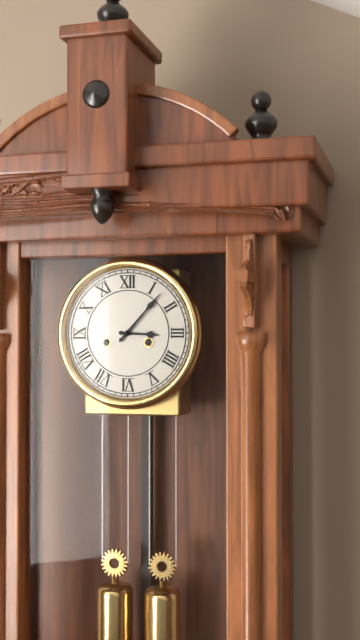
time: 3:07
